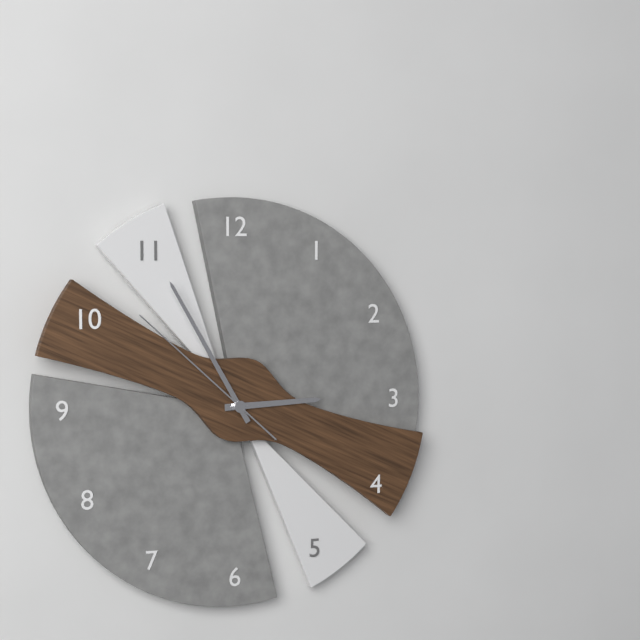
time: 2:55:52
